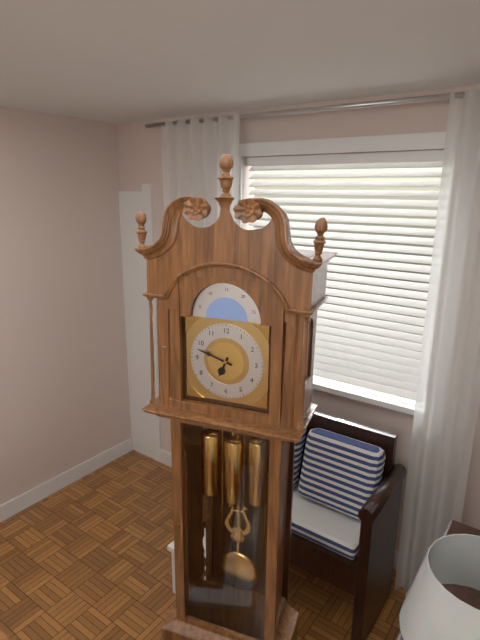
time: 6:48
